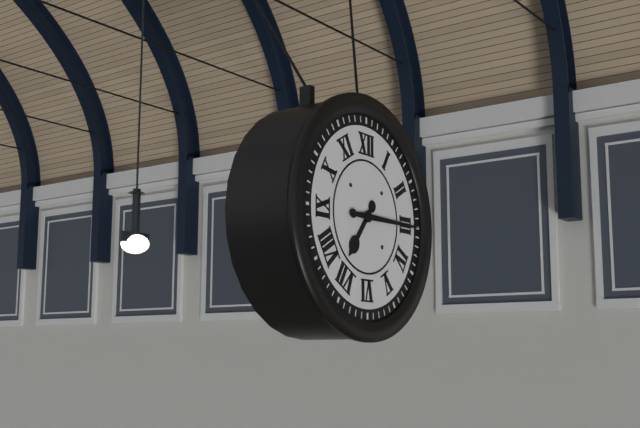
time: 7:15
